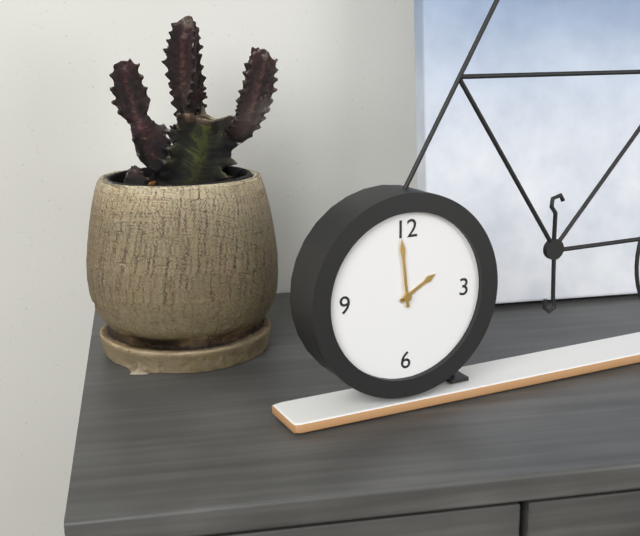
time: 1:59
